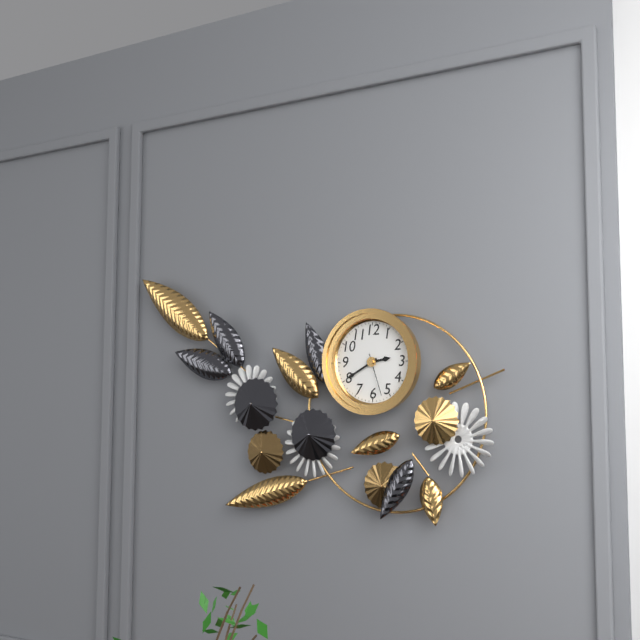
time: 2:40
